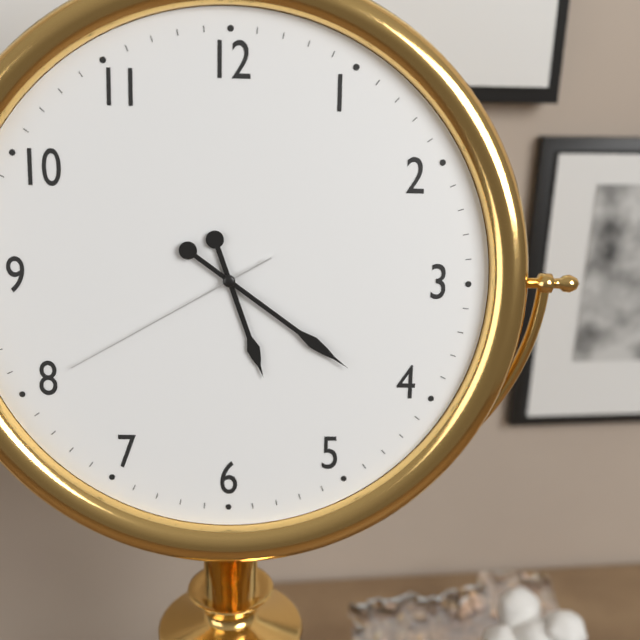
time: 5:21:40
